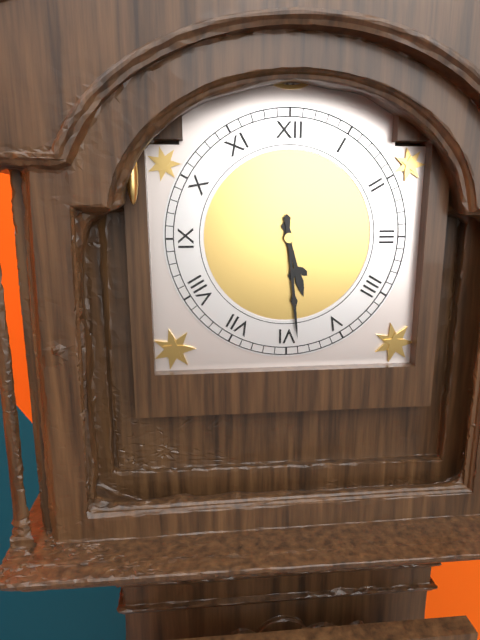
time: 5:29
